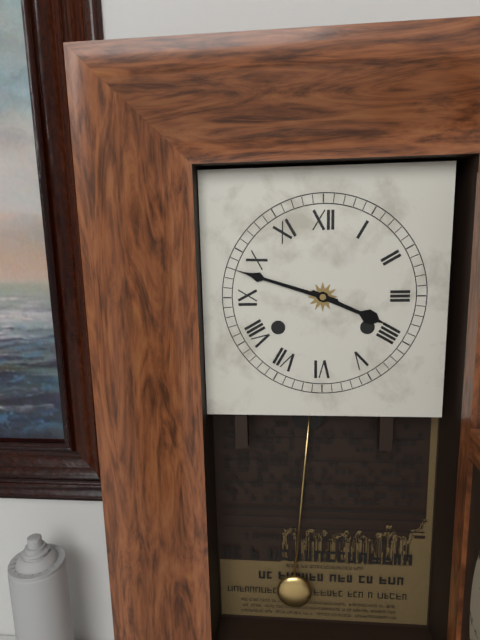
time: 3:48
